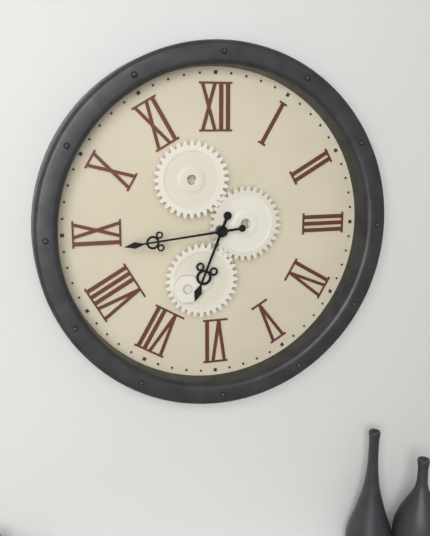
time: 6:44
